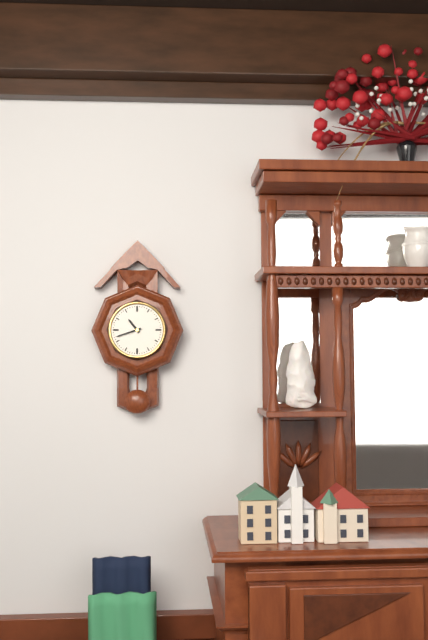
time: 10:42
